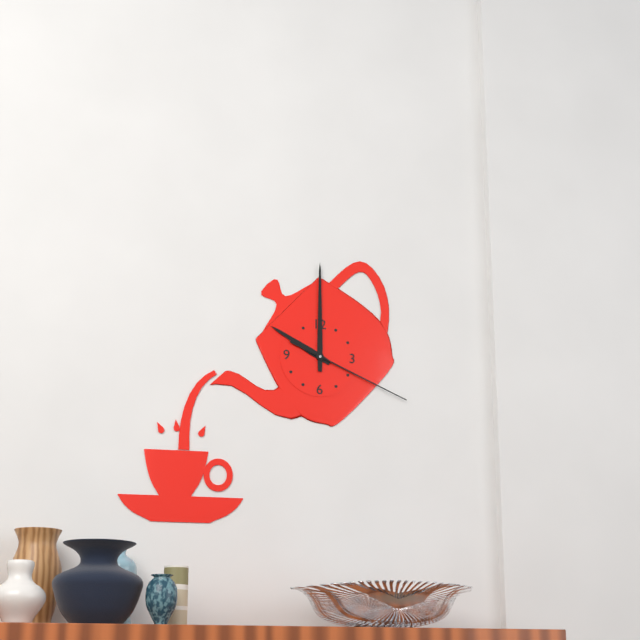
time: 10:00:19
